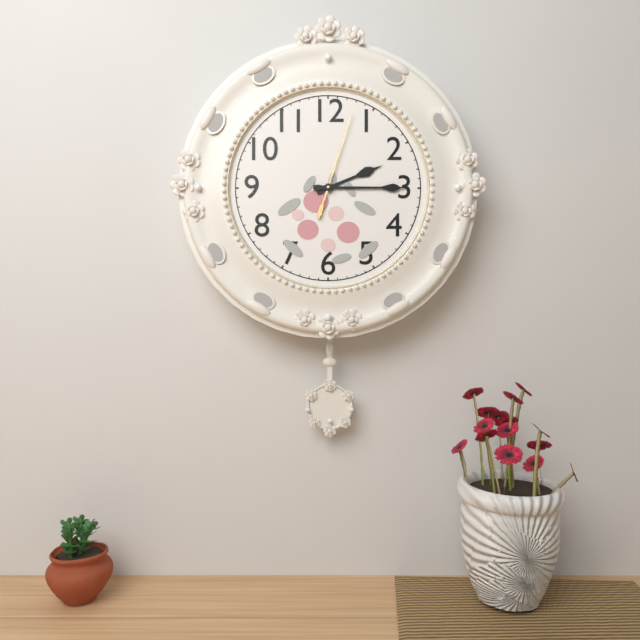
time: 2:15:03
